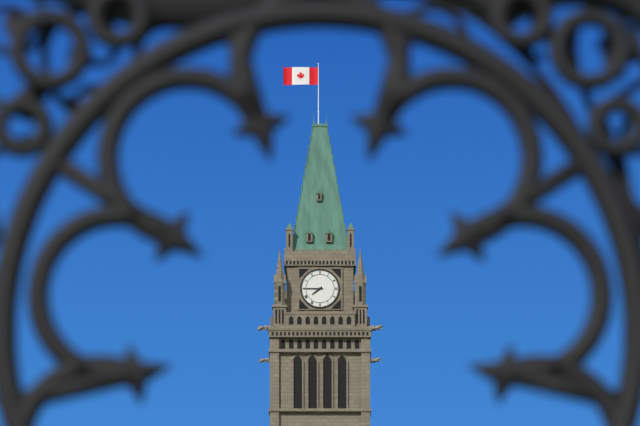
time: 7:45
